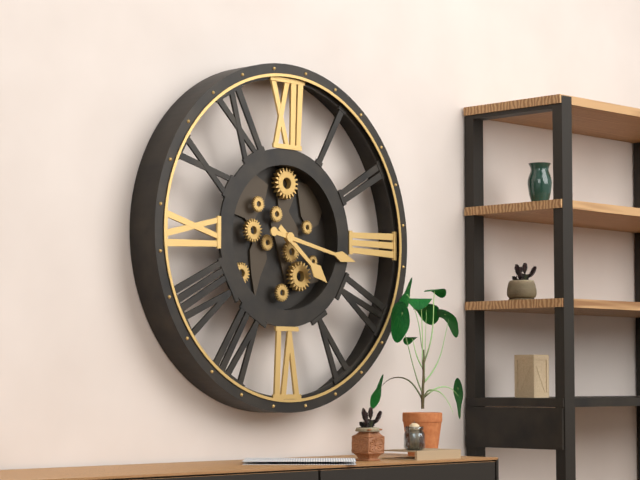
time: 4:17
